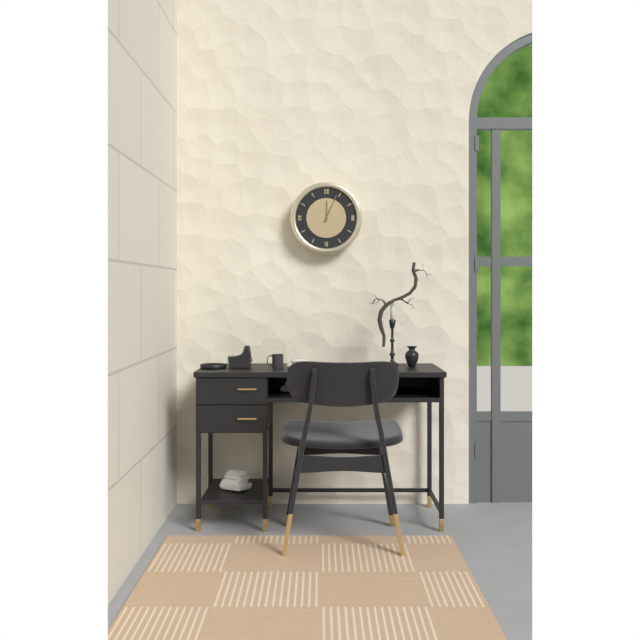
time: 12:04
